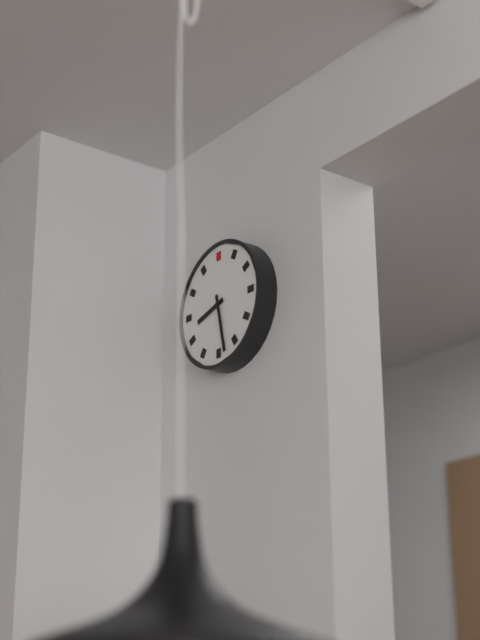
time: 8:28
